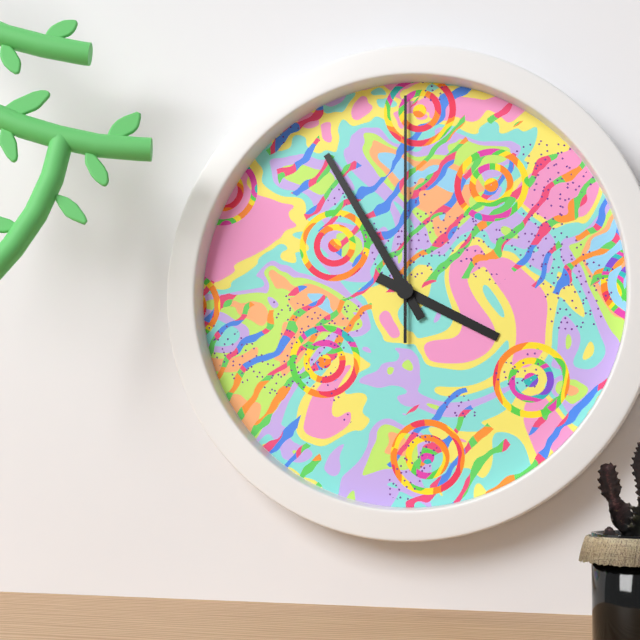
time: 3:55:00
